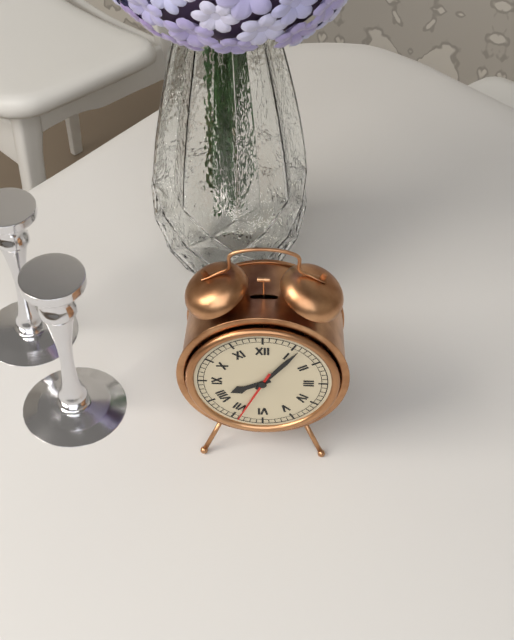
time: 8:06:34
